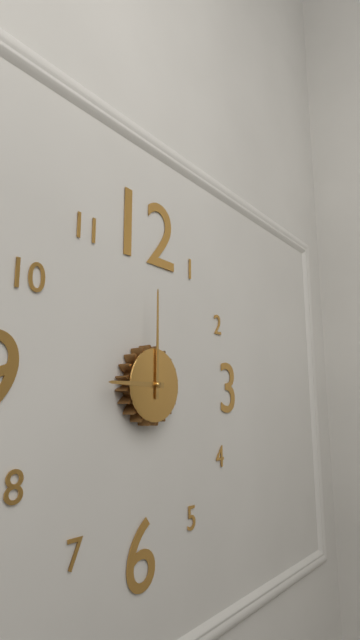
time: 9:00
